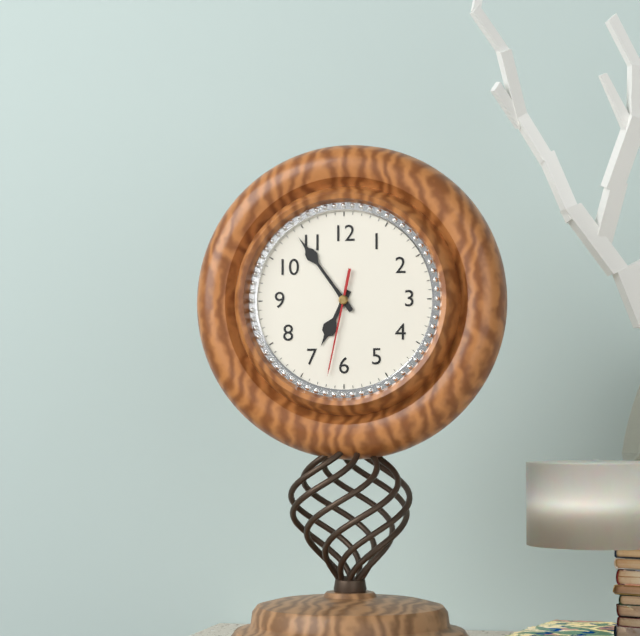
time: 6:54:32
